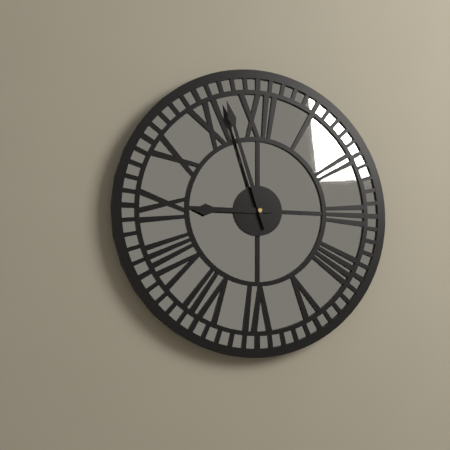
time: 8:57
